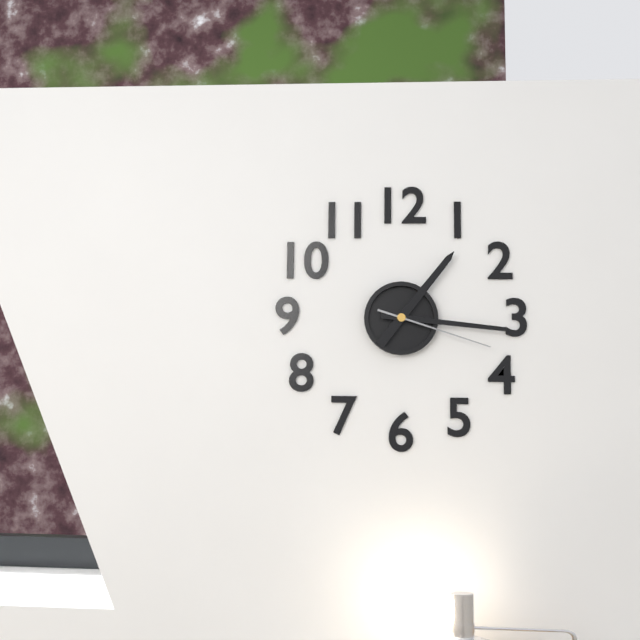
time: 1:16:18
